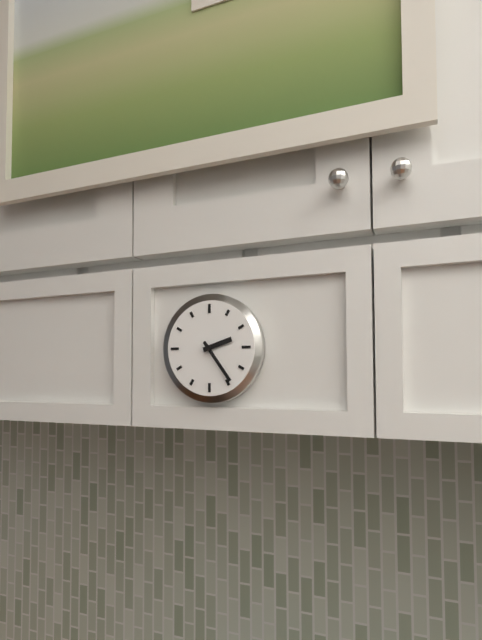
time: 2:24
